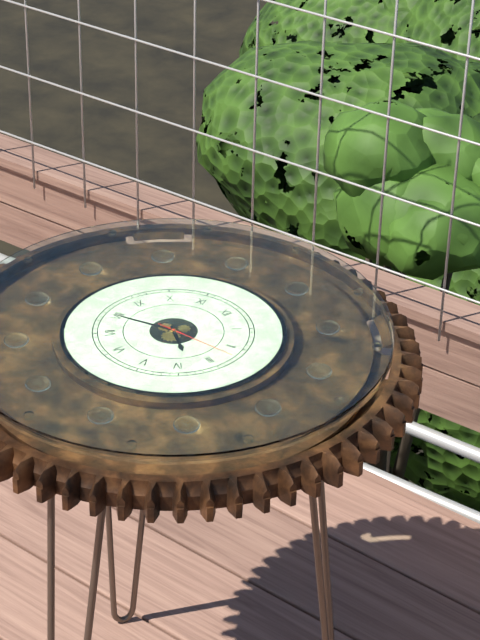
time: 3:40:12
